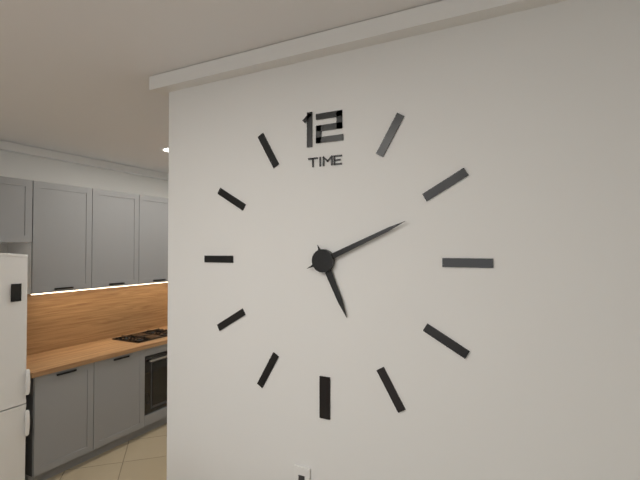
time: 5:11
